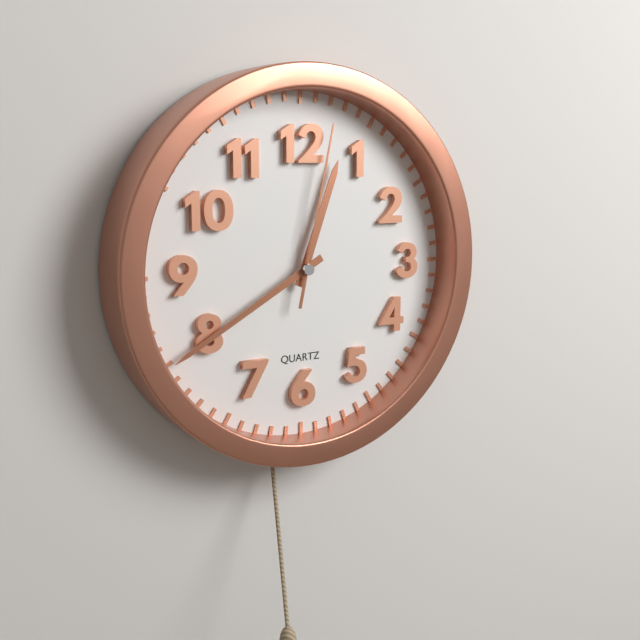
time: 12:40:02
